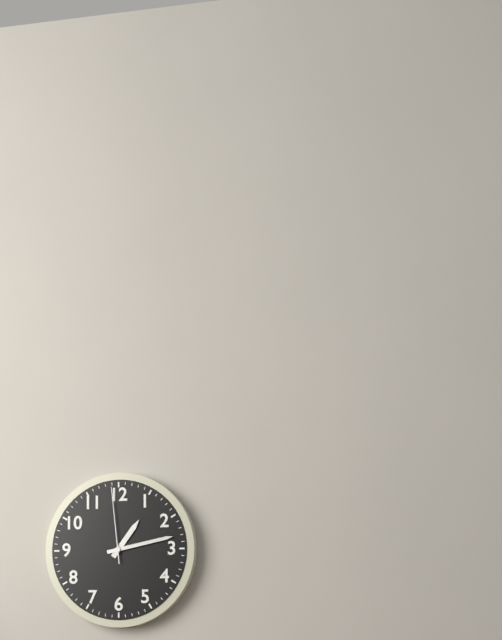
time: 1:13:59
